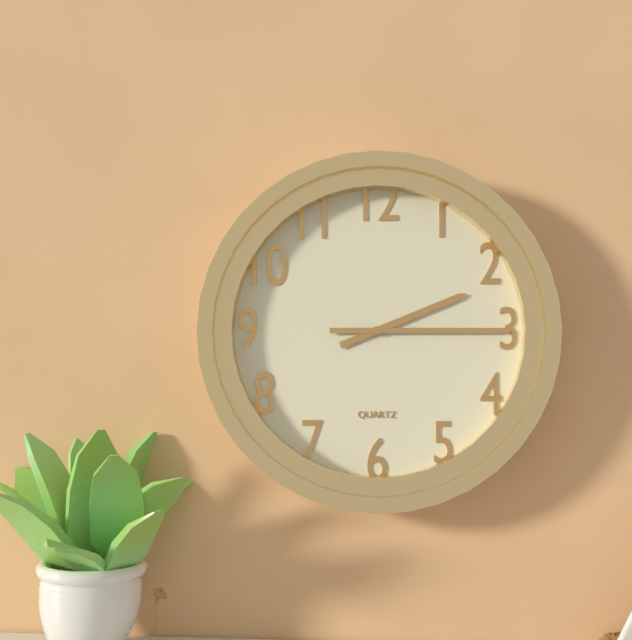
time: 2:15
